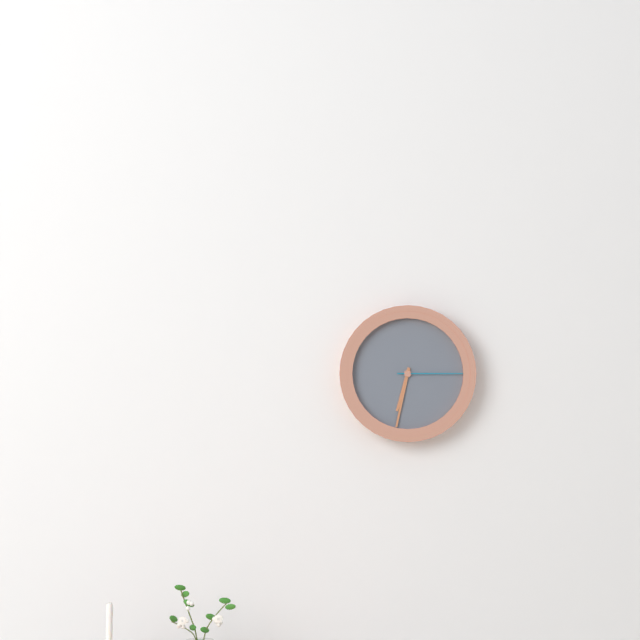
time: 6:32:15
